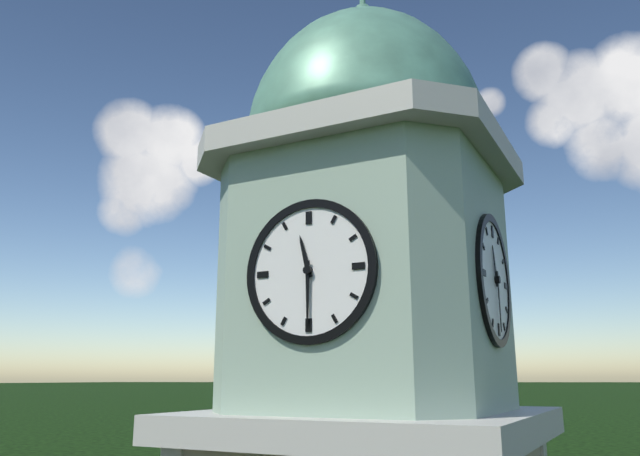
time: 11:30
